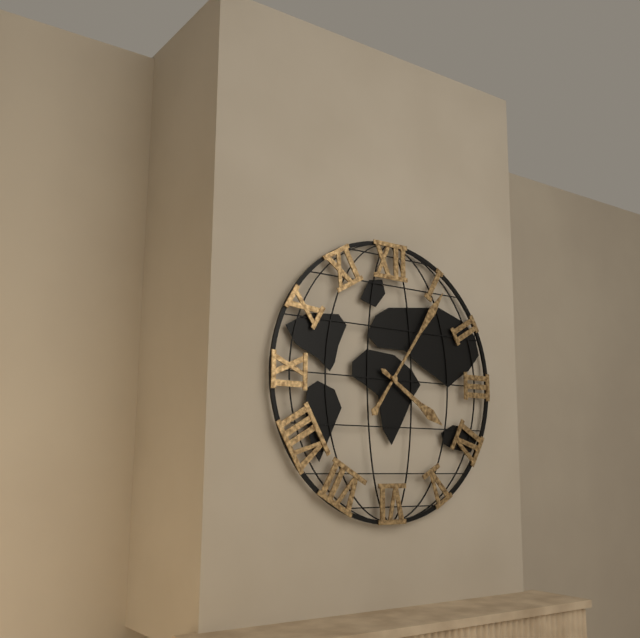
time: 4:06
